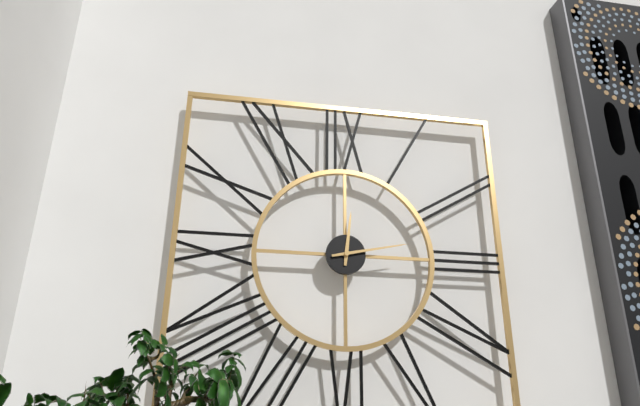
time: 12:13
